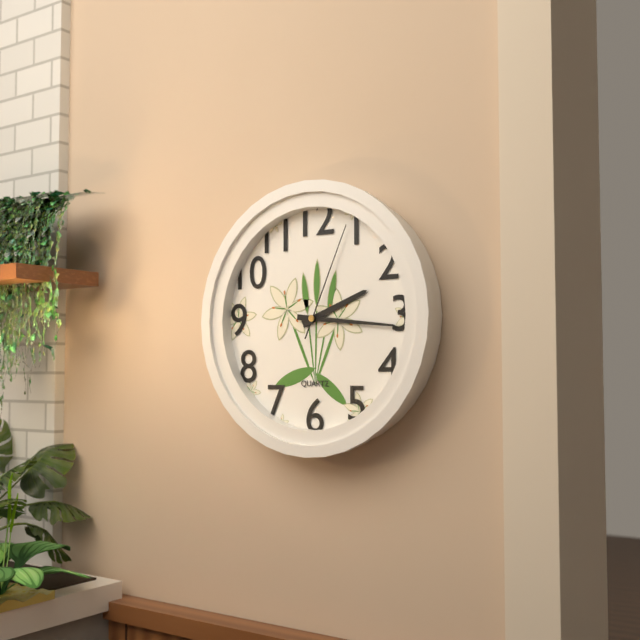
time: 2:16:04
